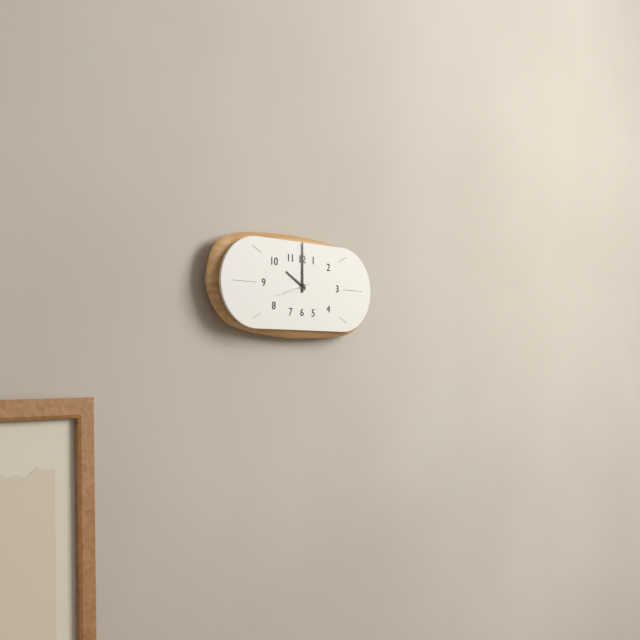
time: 10:00
